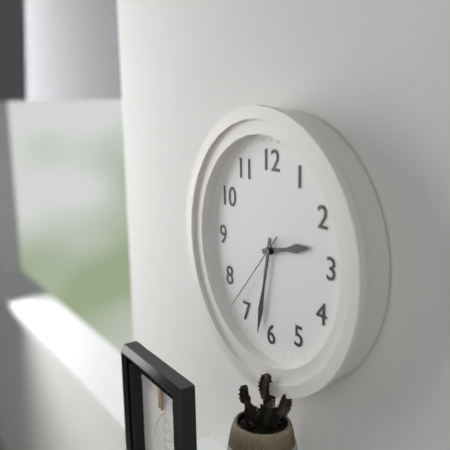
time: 2:32:37
